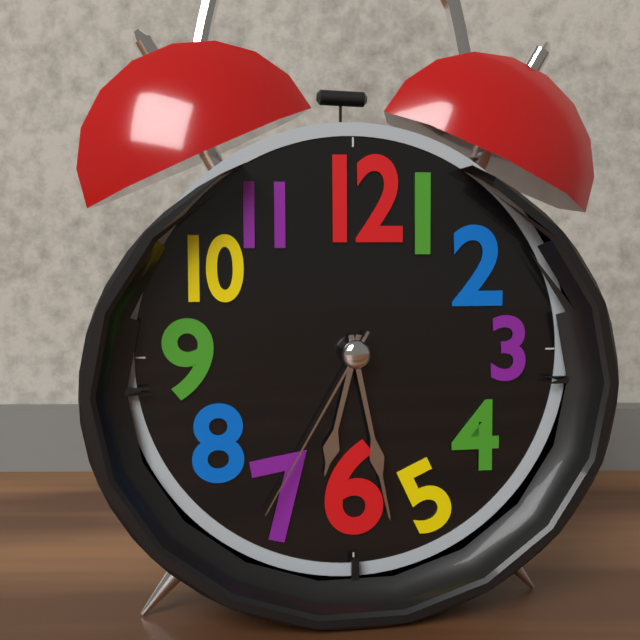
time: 6:28:35
